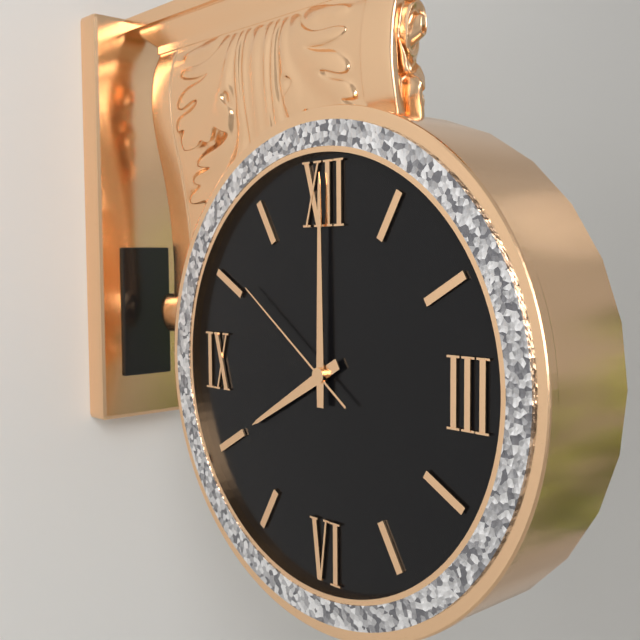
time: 8:00:51
